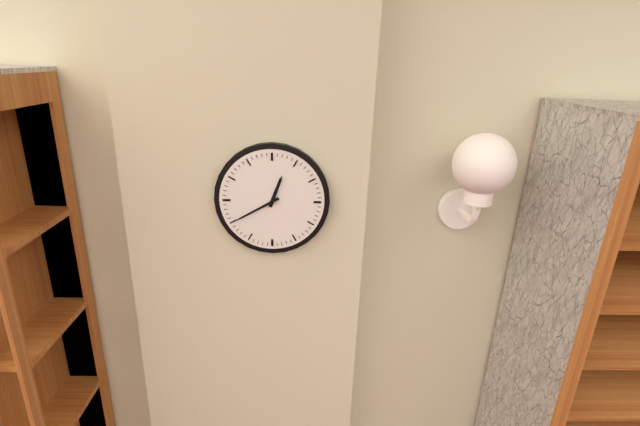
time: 12:40
